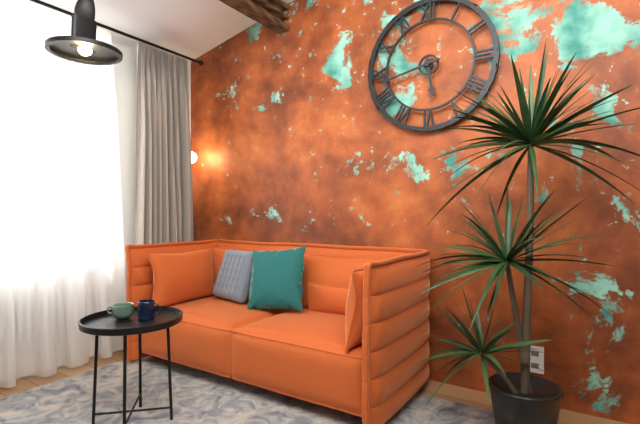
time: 5:43
